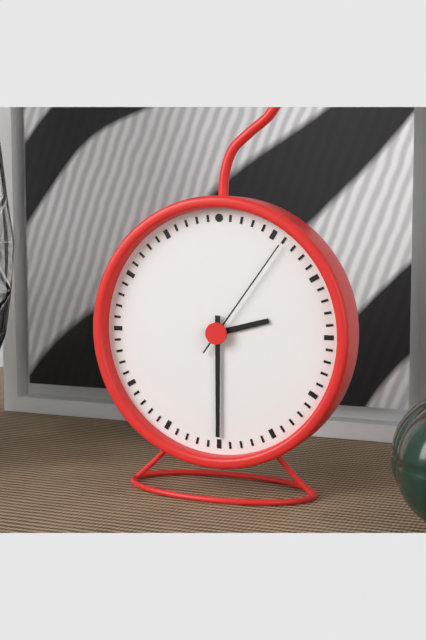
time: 2:30:06
